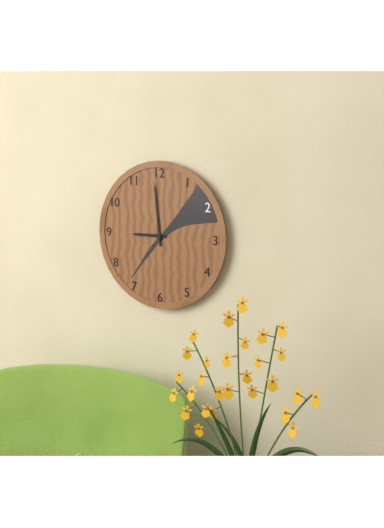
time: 8:59
